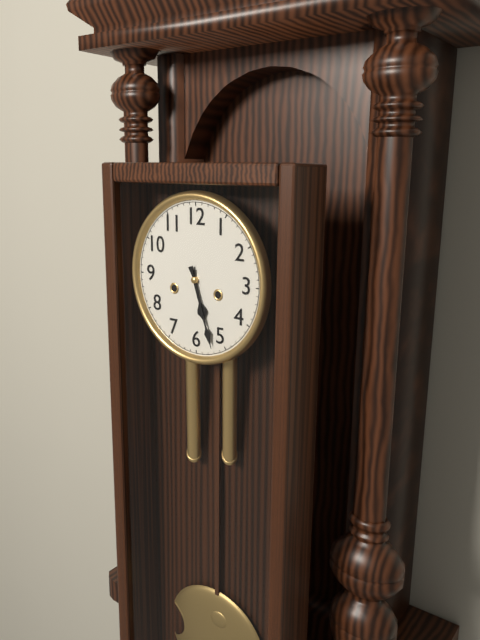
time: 5:27
